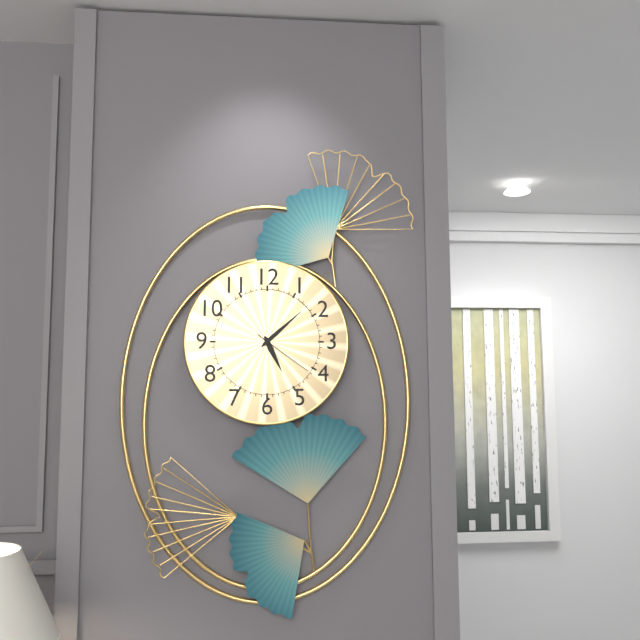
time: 5:08:21
